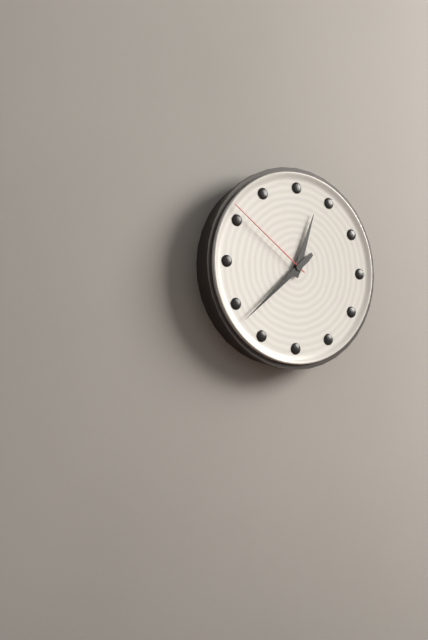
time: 12:38:51
